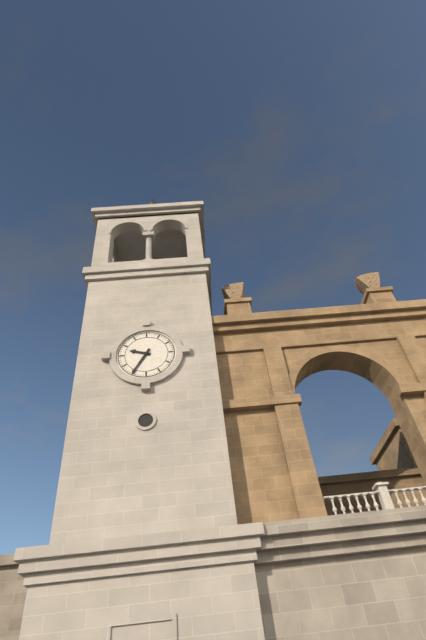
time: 9:35
